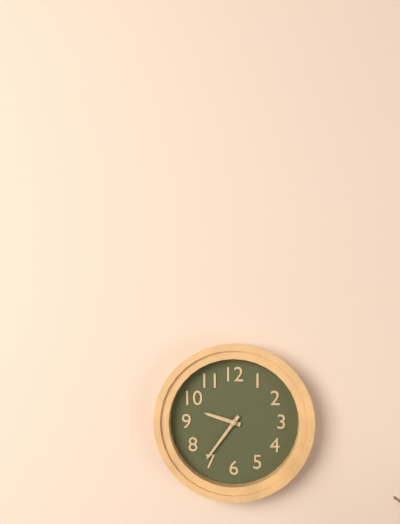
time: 9:36
